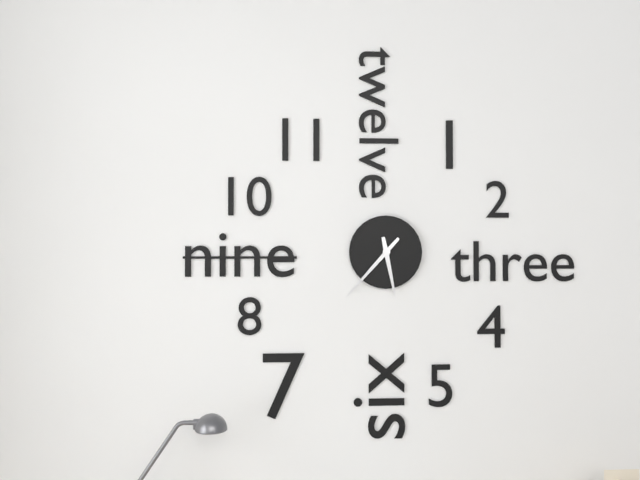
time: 5:37
